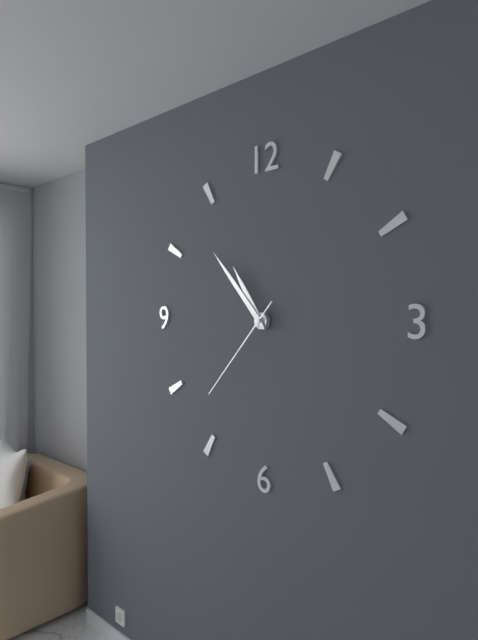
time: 10:53:37
